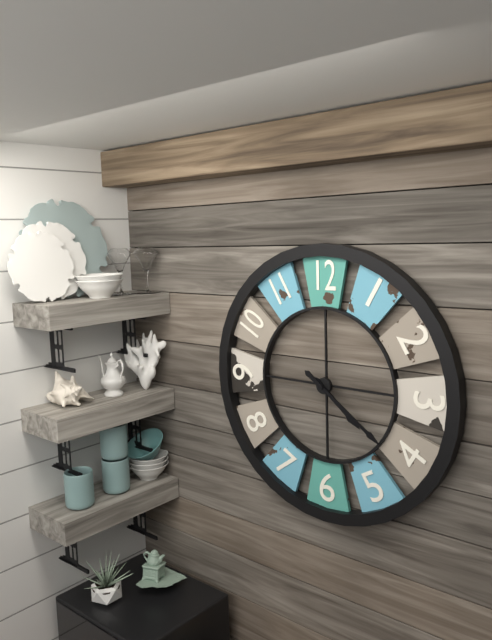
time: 4:21
